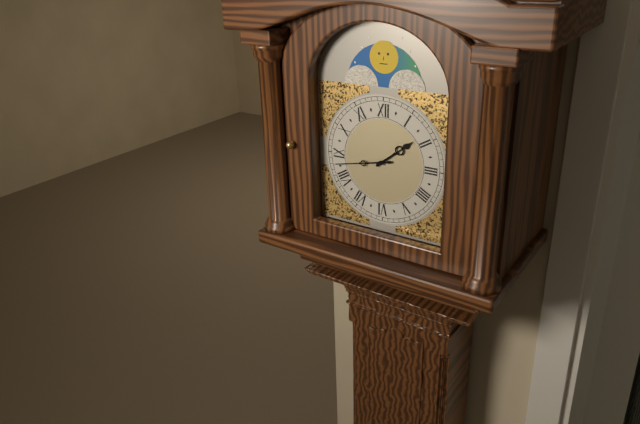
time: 1:43
